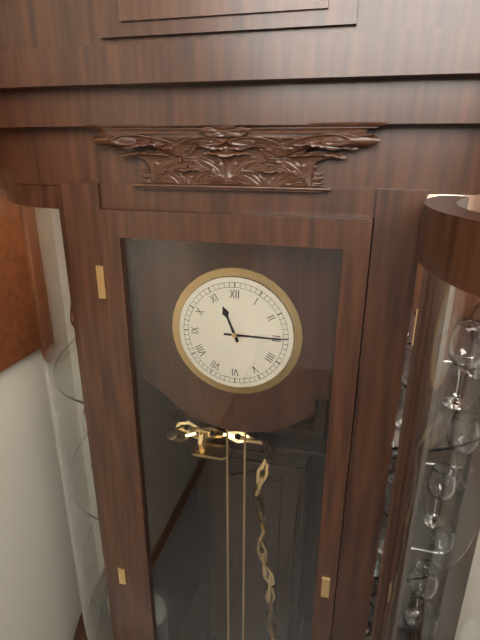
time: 11:15
